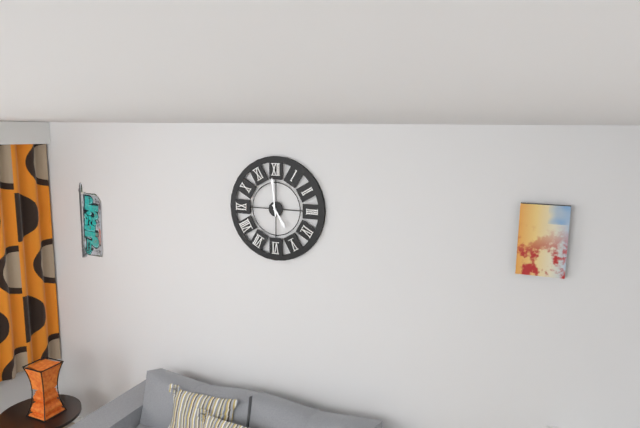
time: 4:59
